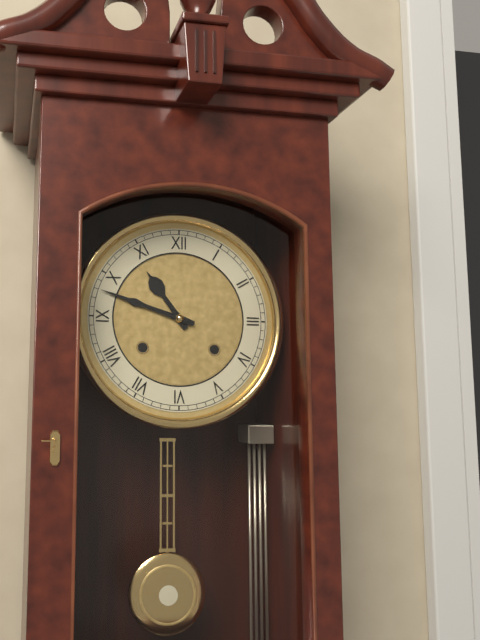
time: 10:48
